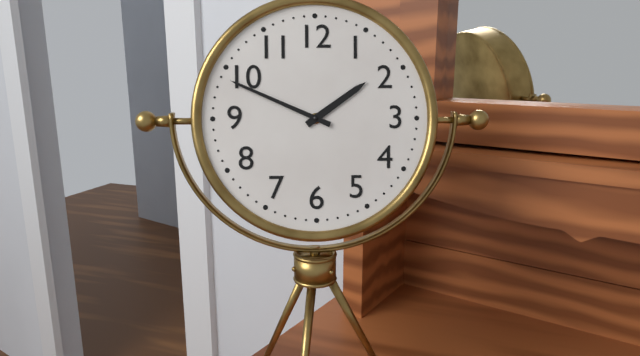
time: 1:49
